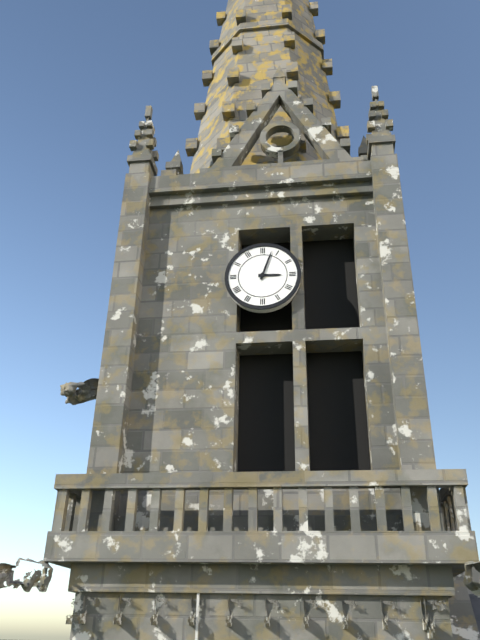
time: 3:03
